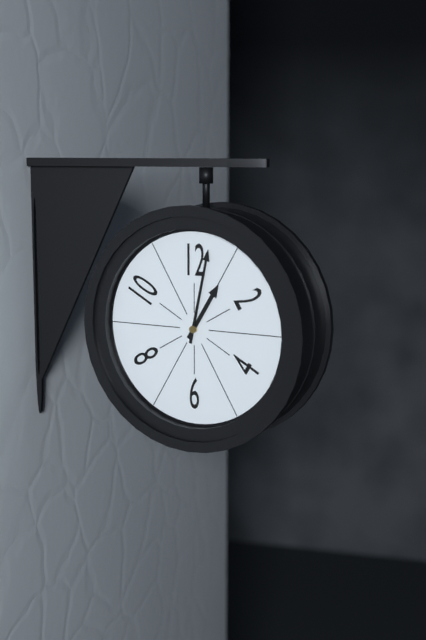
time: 1:02
